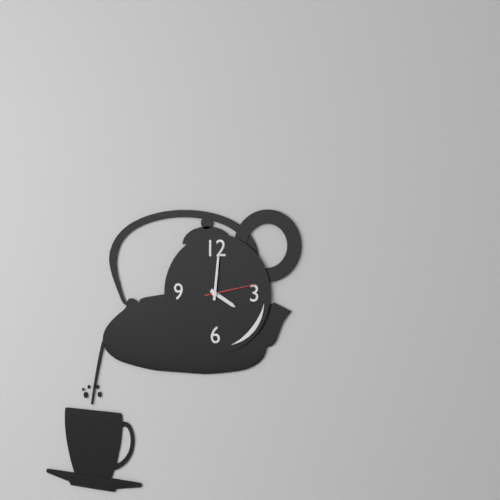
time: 4:01:13
